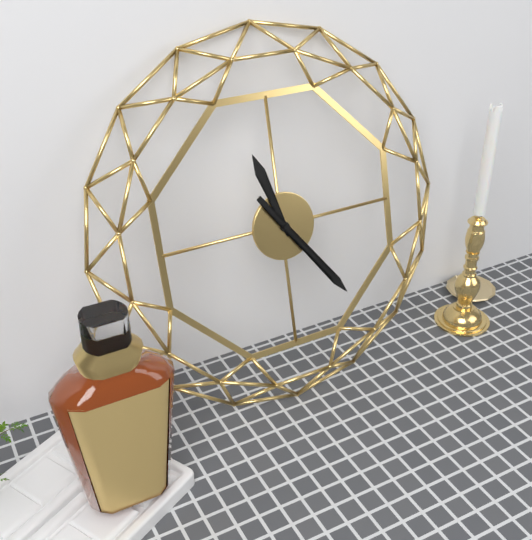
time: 11:24
